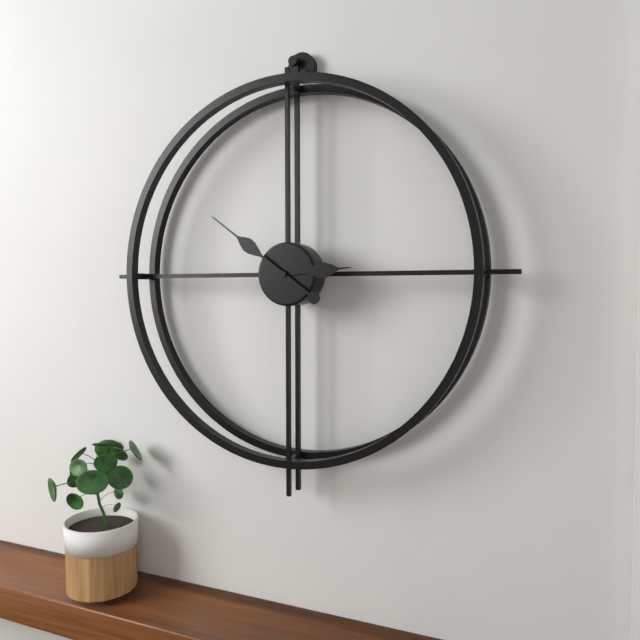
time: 2:51
